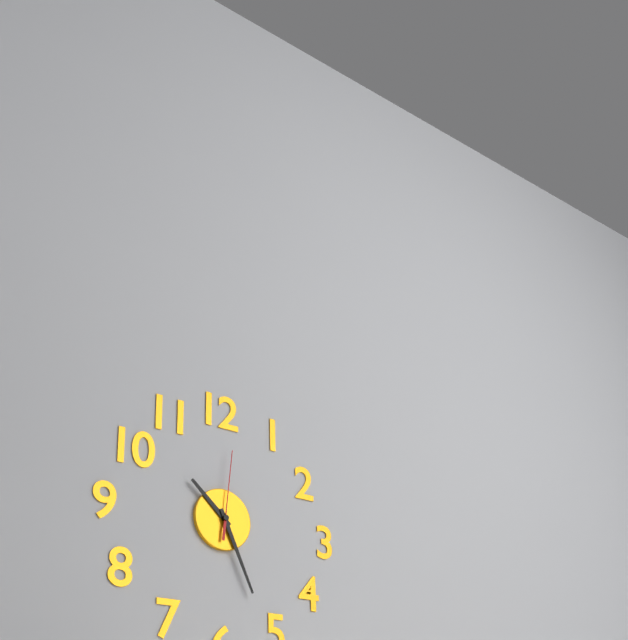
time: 10:26:01
